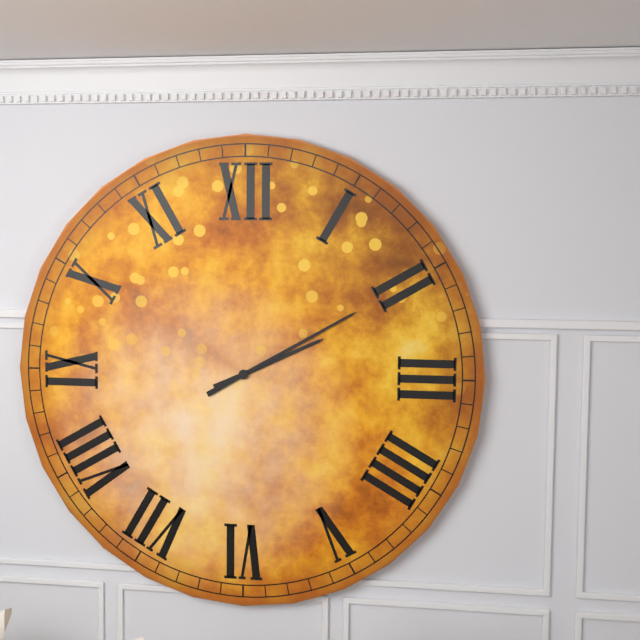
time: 2:10
